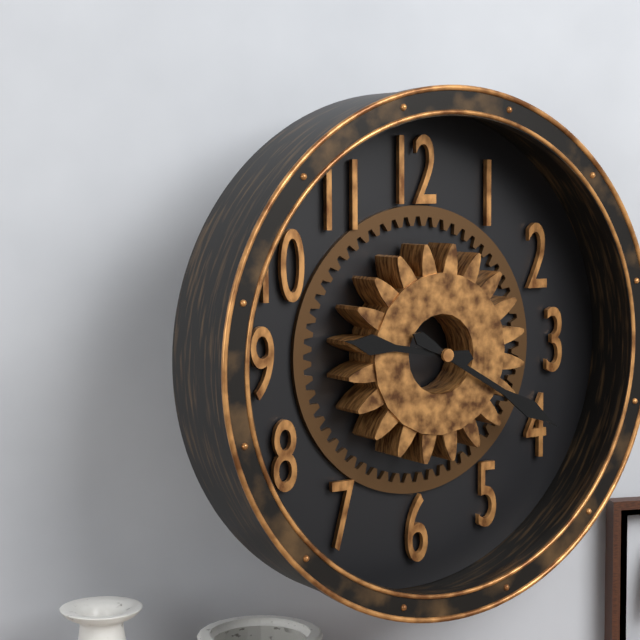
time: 9:20
